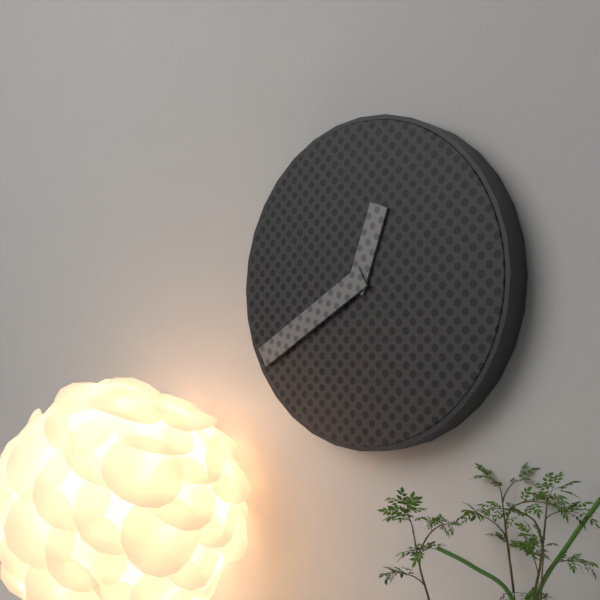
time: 12:40
